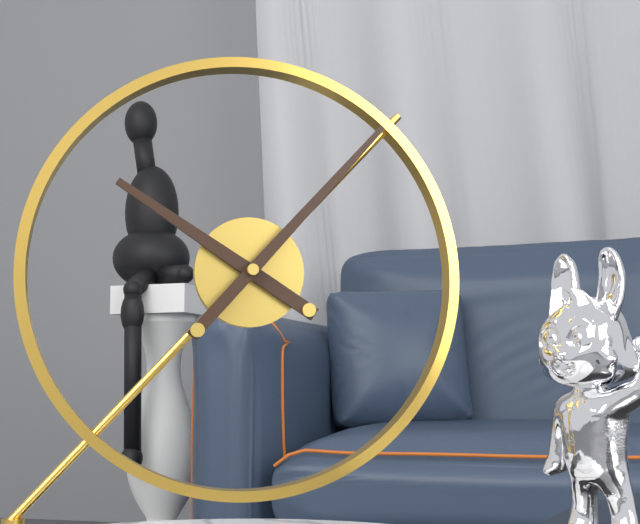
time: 10:07
